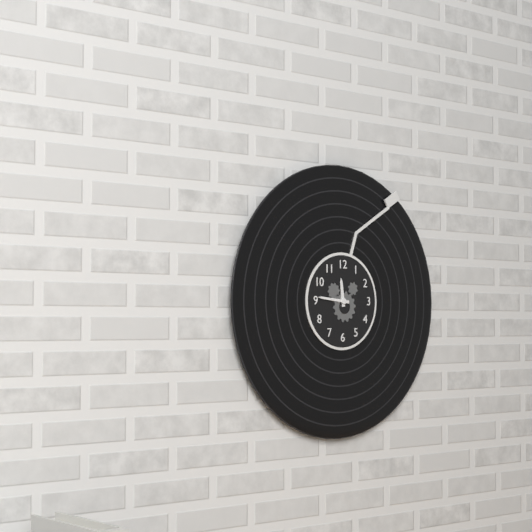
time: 11:46
